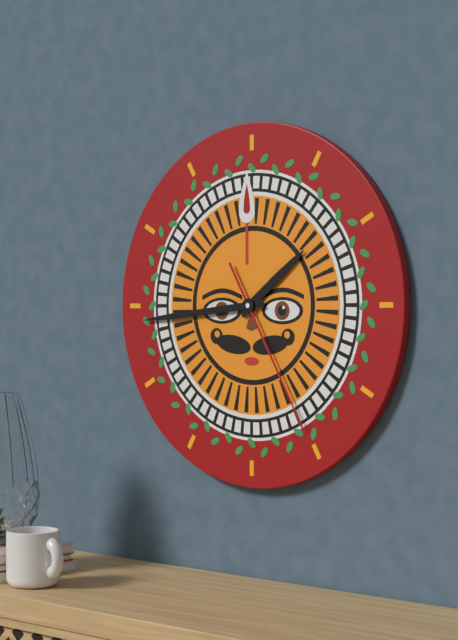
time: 1:44:25
